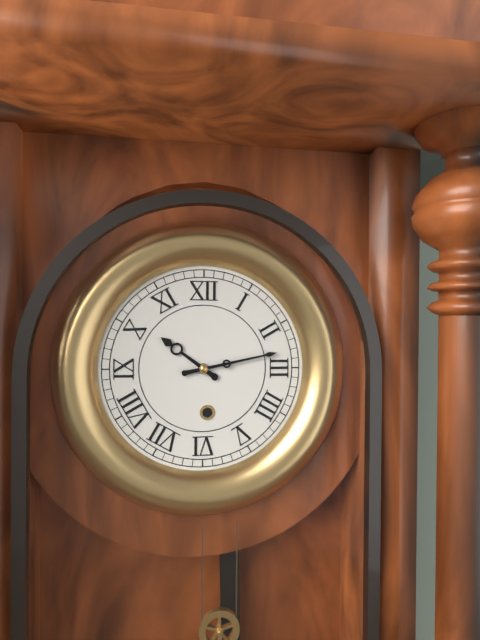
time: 10:13
